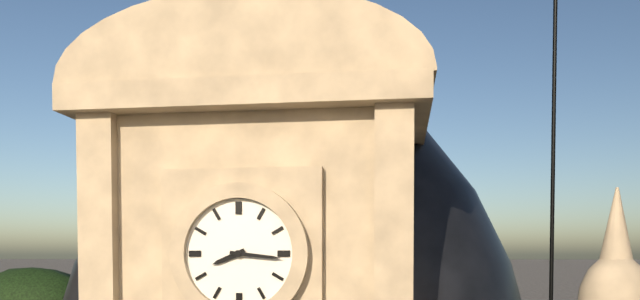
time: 8:16
